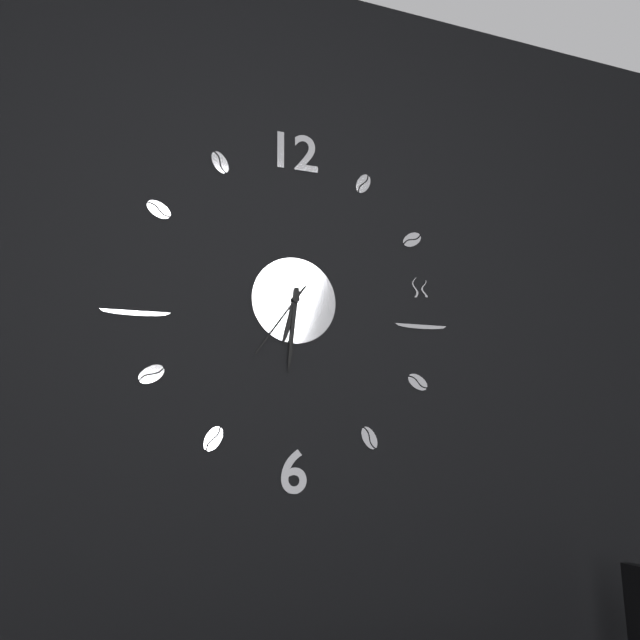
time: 6:31:36
